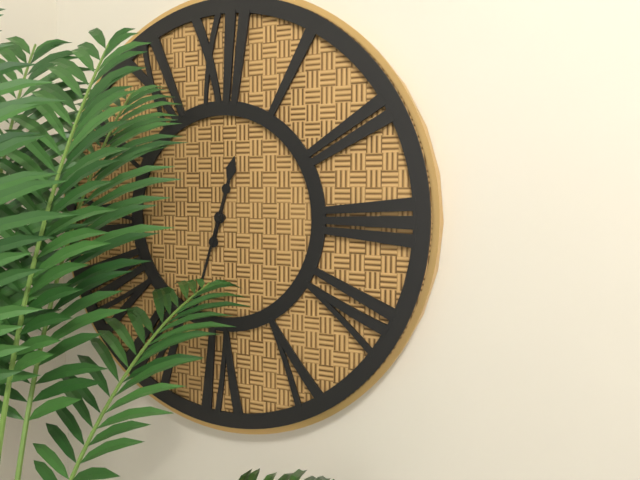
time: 12:33
